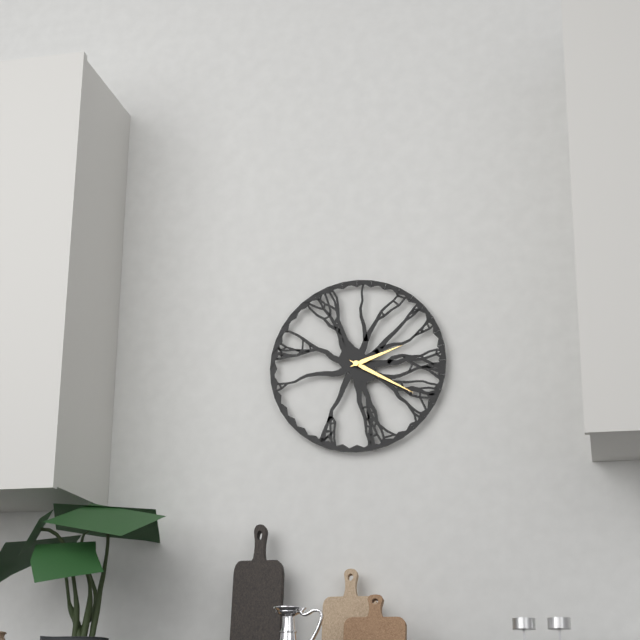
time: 2:20
